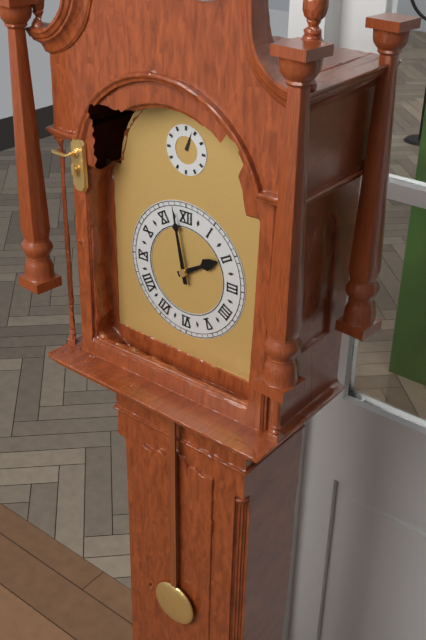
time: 1:58
